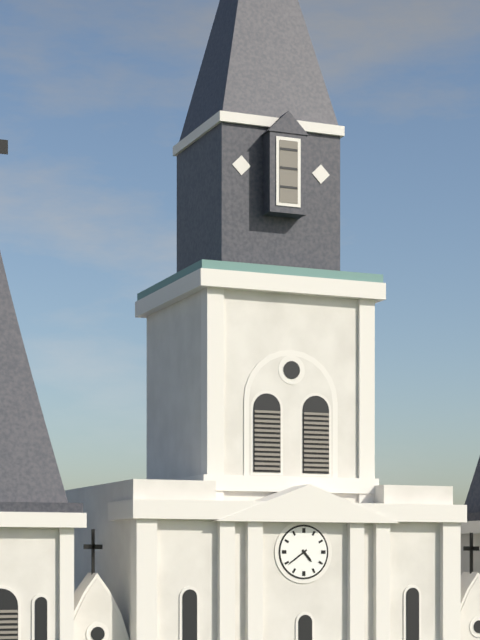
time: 4:39
